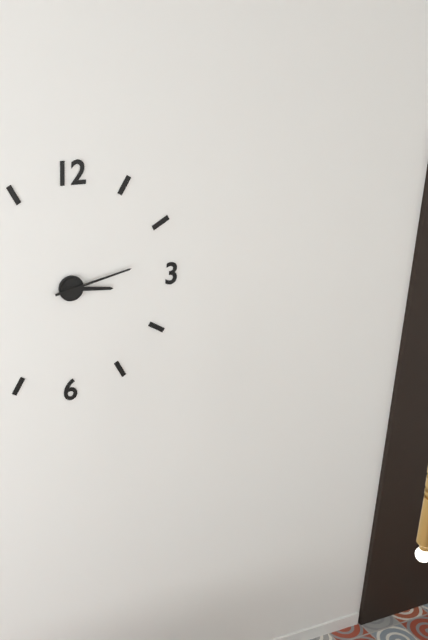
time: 3:13
